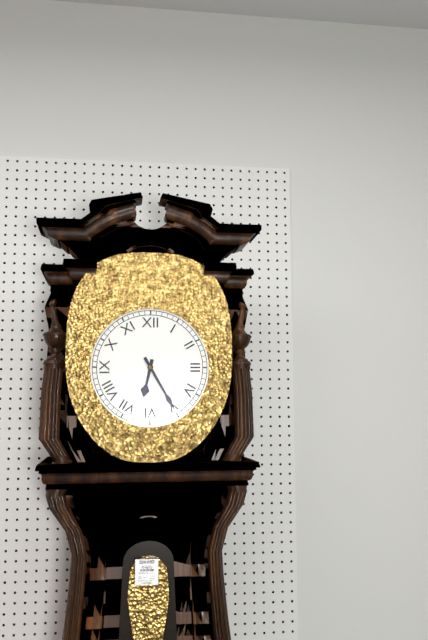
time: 6:25
